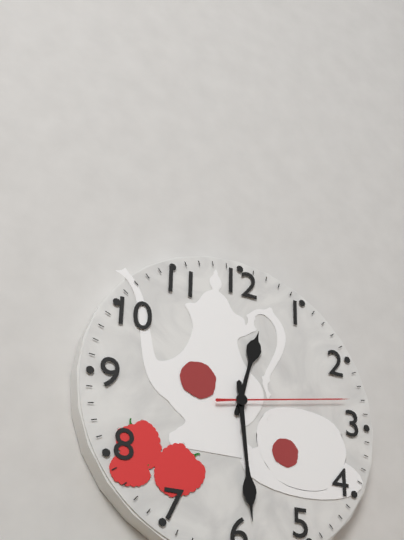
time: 12:29:13
